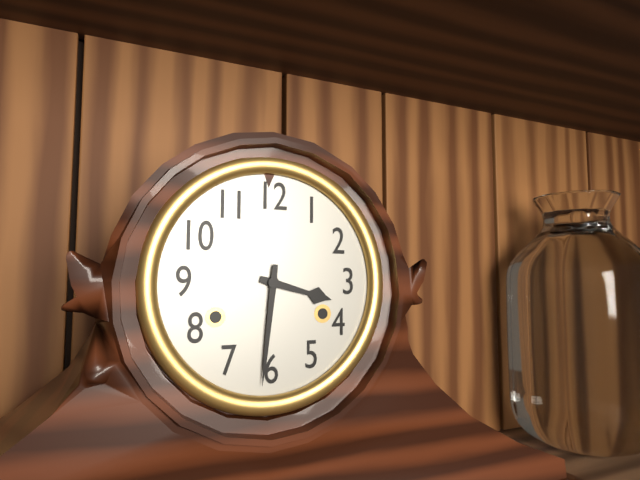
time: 3:31
